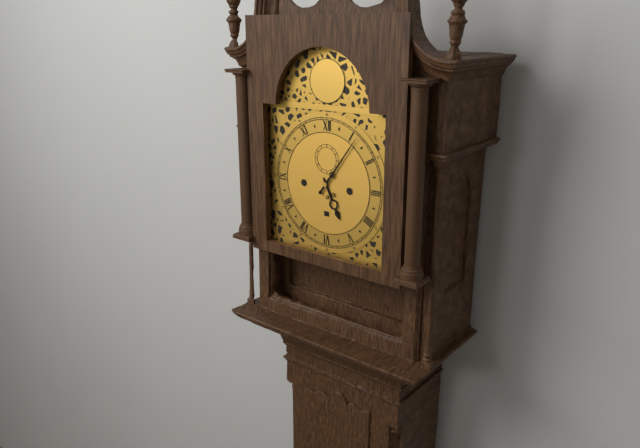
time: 5:06
